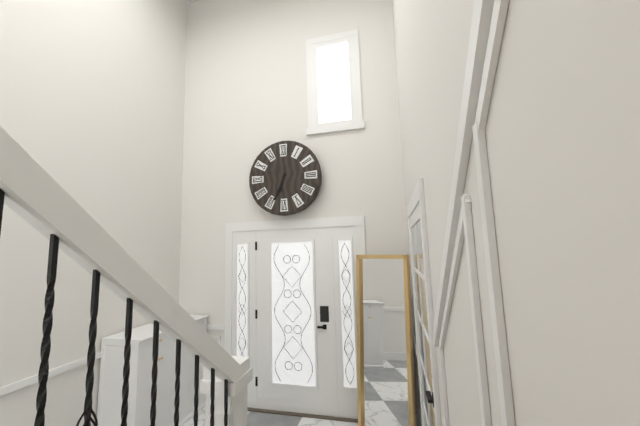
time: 6:34
